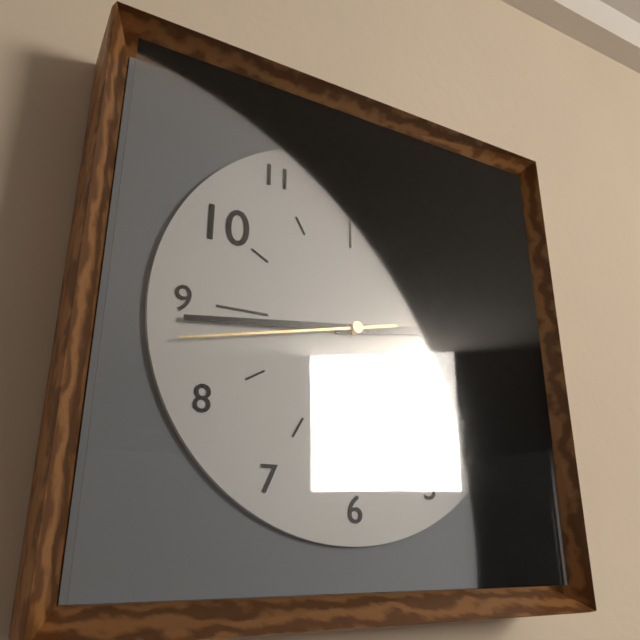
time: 2:44:43
